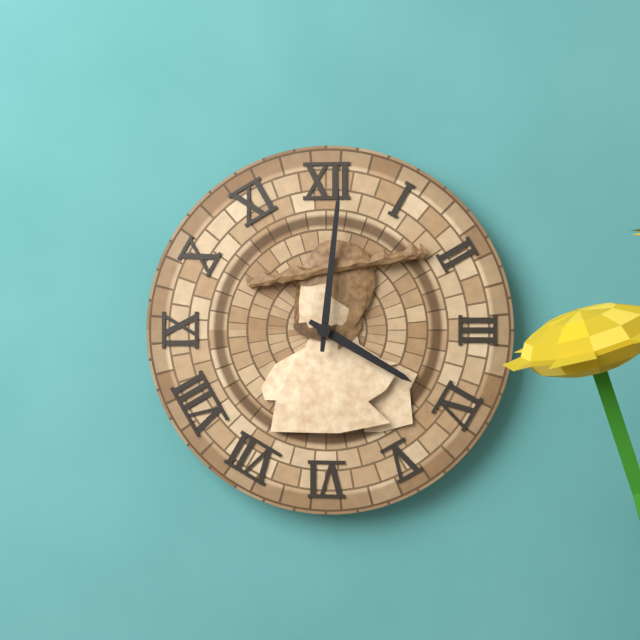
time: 4:01
